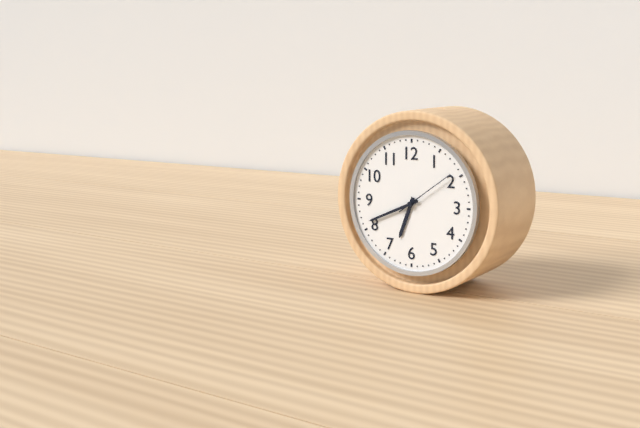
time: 6:41:09
